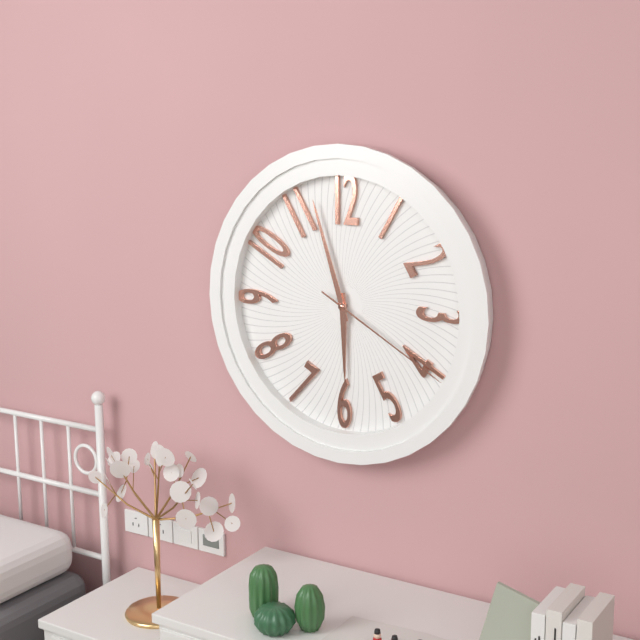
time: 5:57:20
